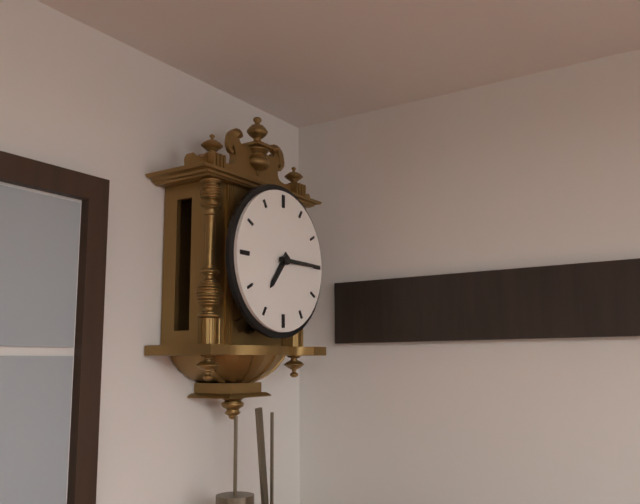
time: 7:15
